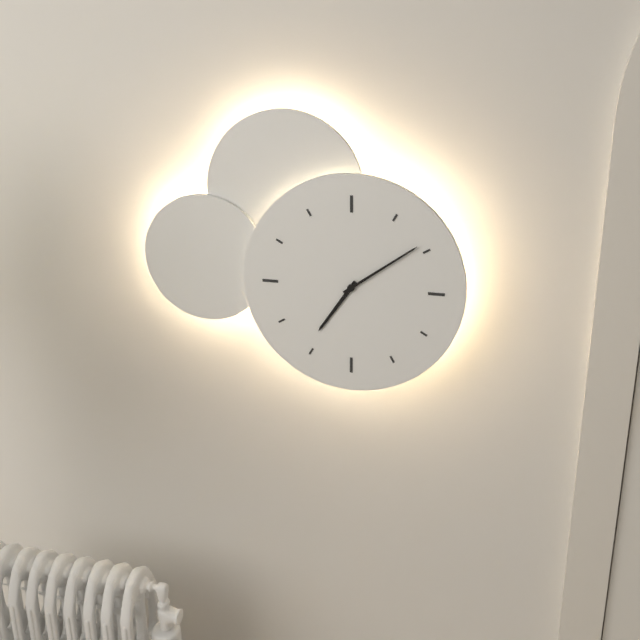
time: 7:09
